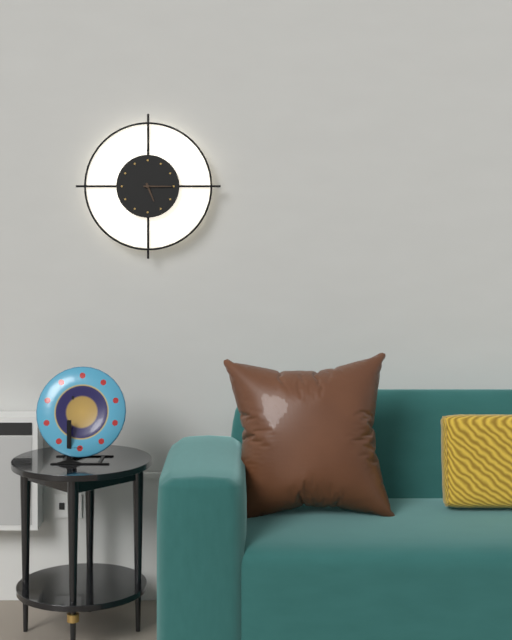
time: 5:15
